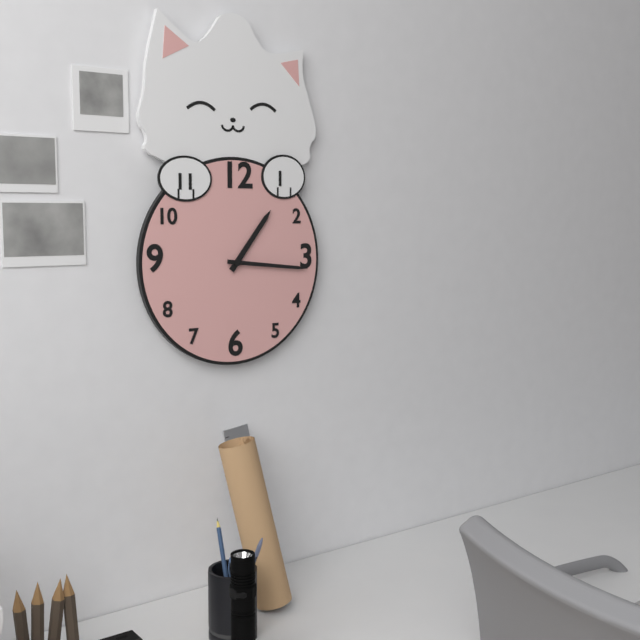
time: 1:16
